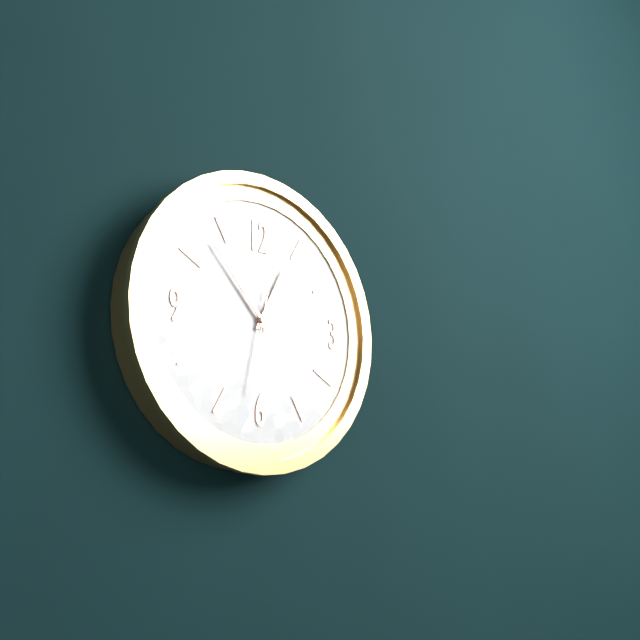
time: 12:53:32
